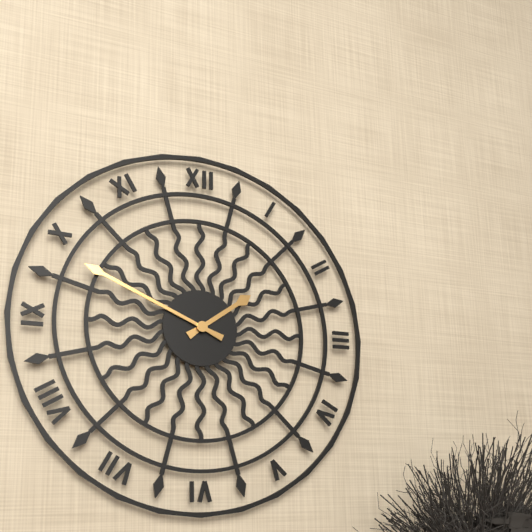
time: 1:49
